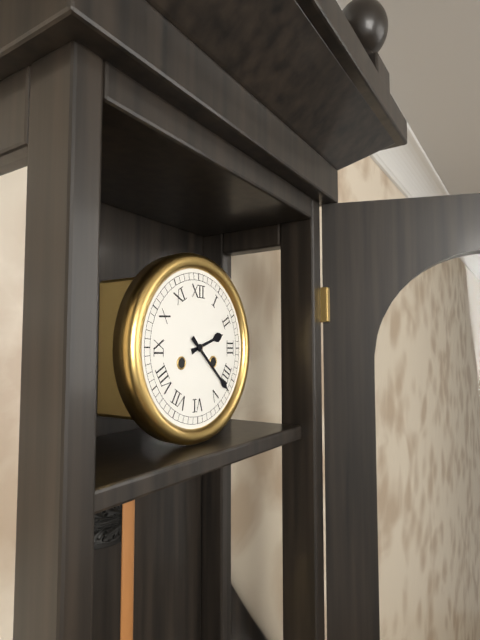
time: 2:22
